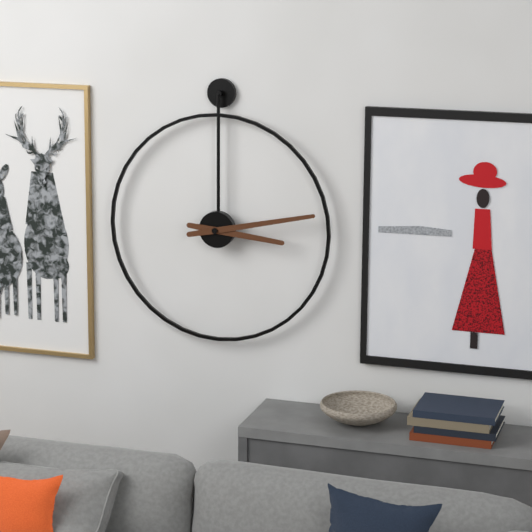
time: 3:13
